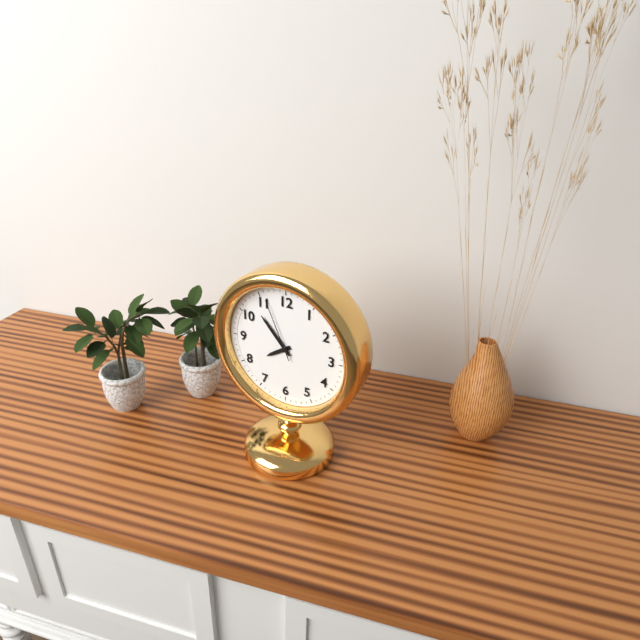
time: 7:53:56
